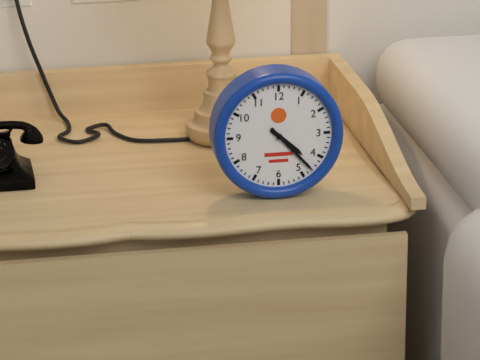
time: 4:23
